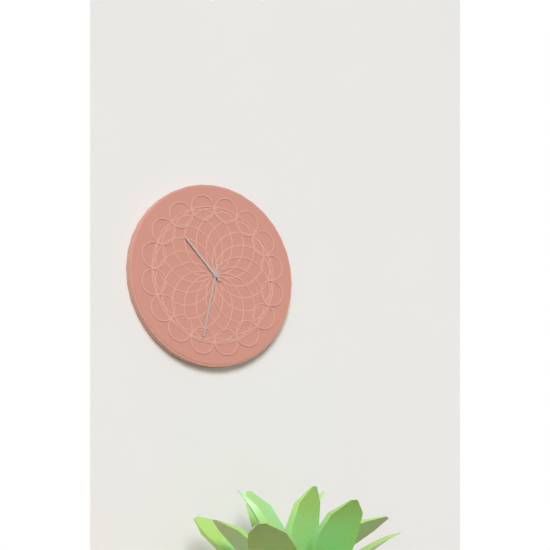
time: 10:32
